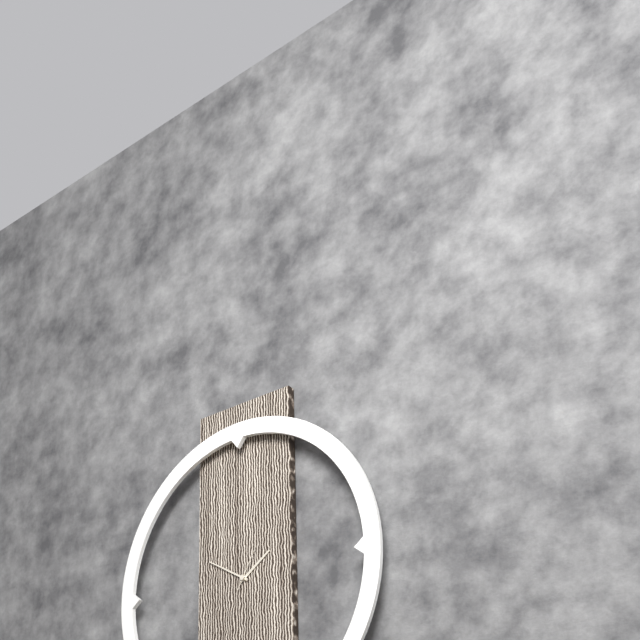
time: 1:50
